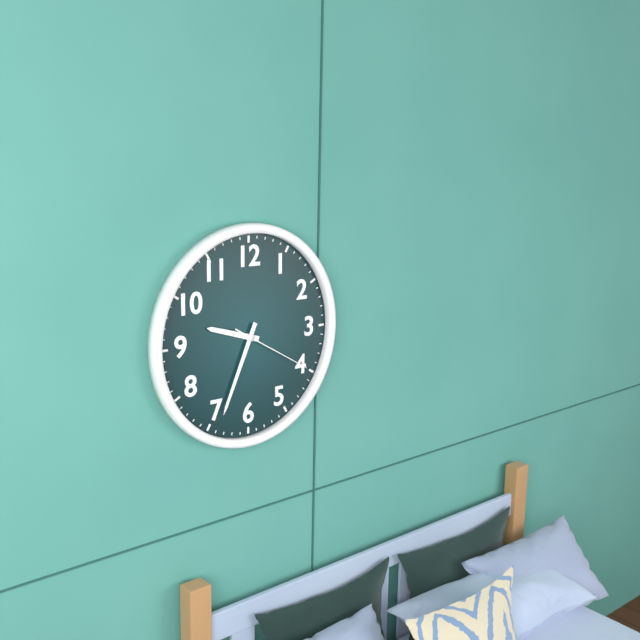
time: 9:34:20
